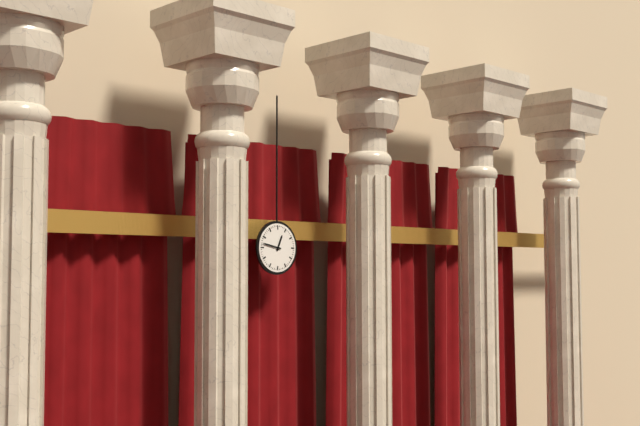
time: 12:47
